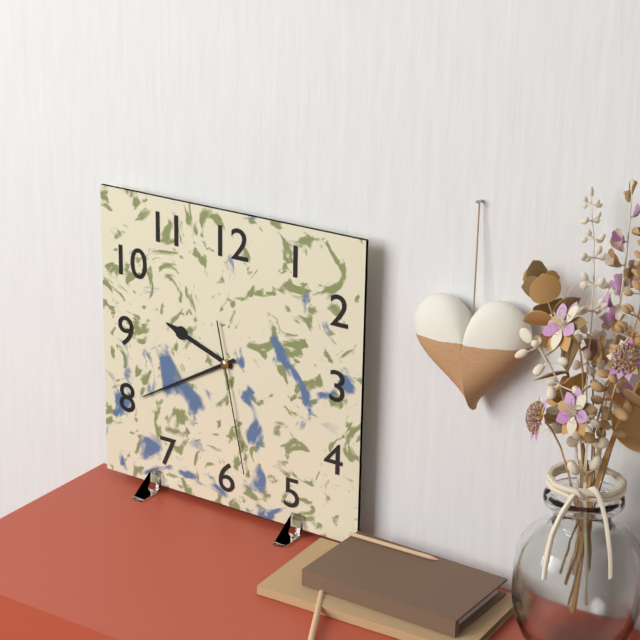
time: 9:40:28
